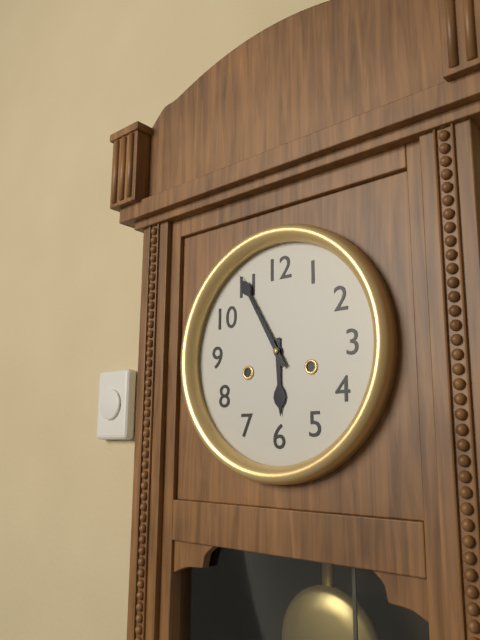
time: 5:55
